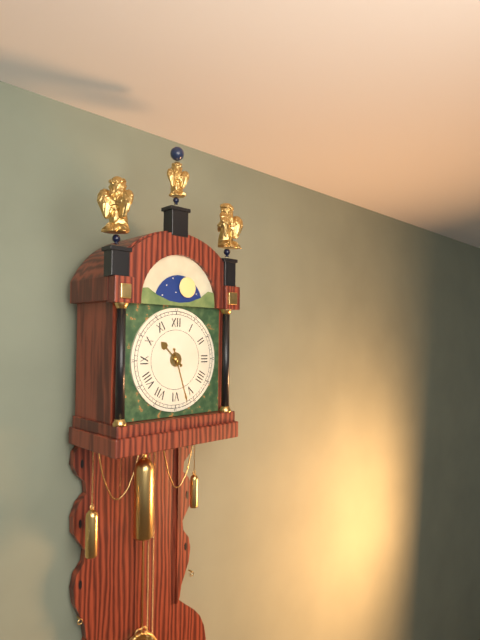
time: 10:27
